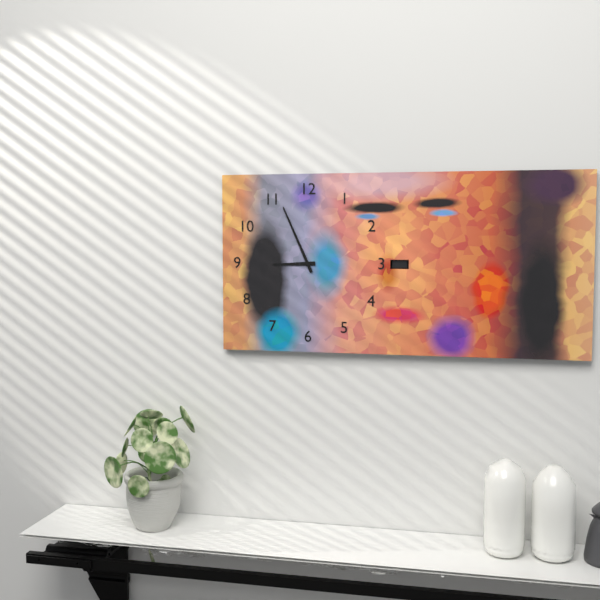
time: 8:56
